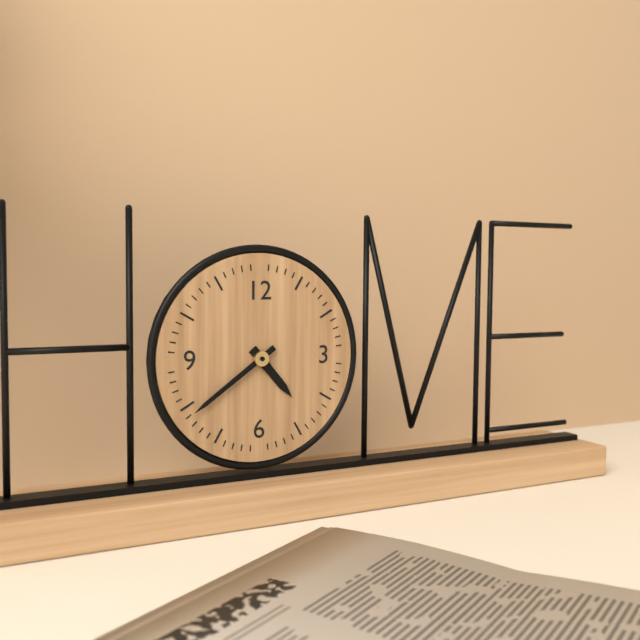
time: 4:39
